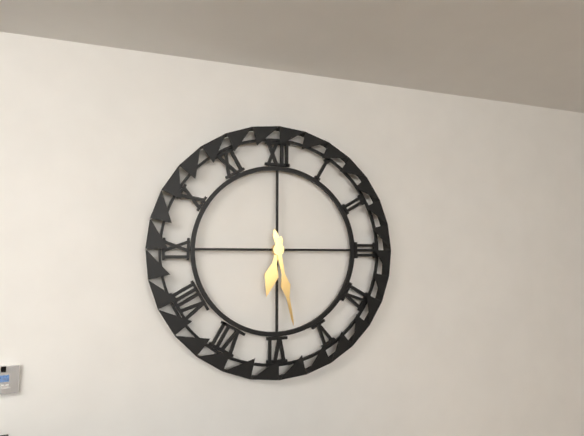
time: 6:28
